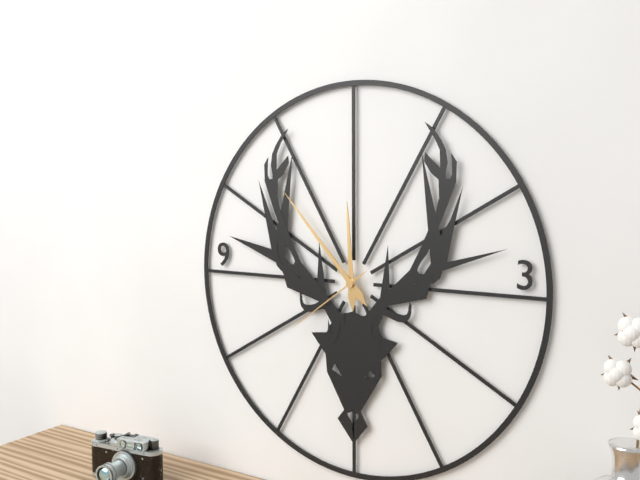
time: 11:53:39
